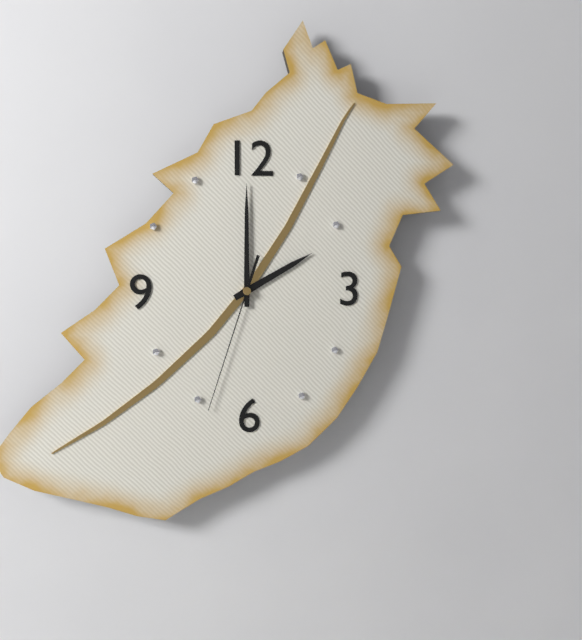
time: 2:00:33
